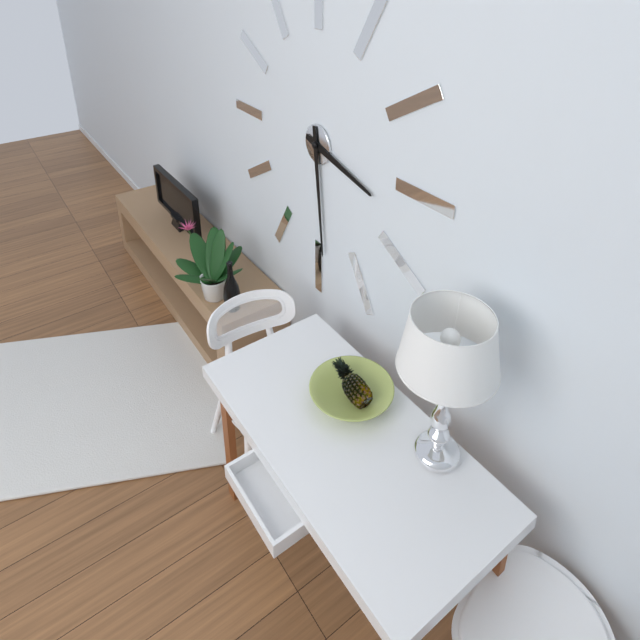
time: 3:29
